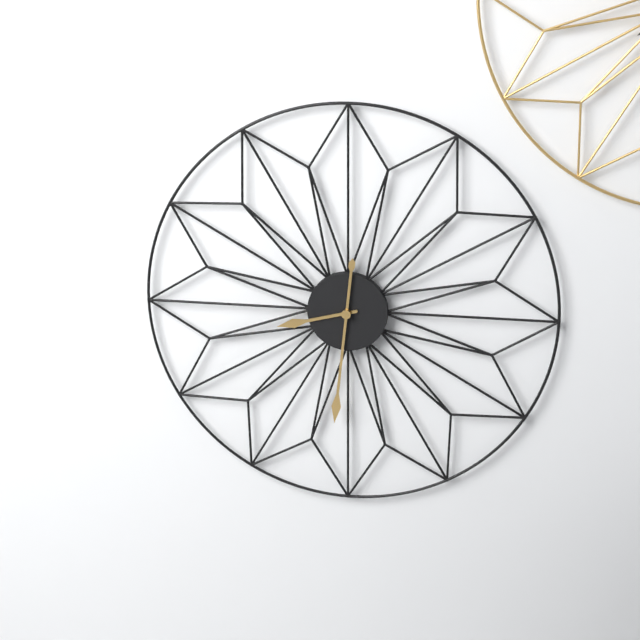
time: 8:31
